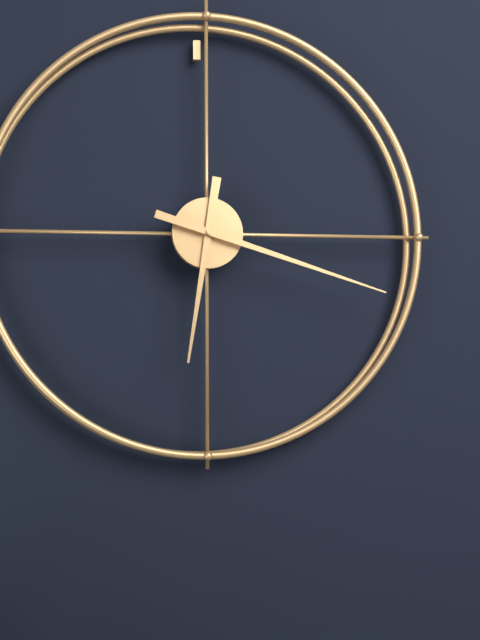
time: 6:18
